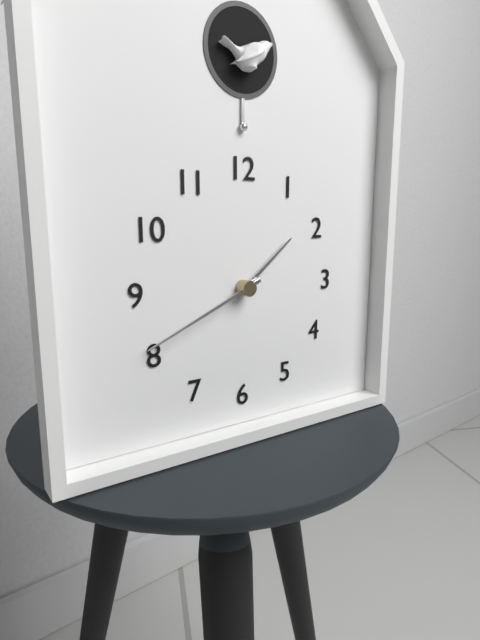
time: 1:41
